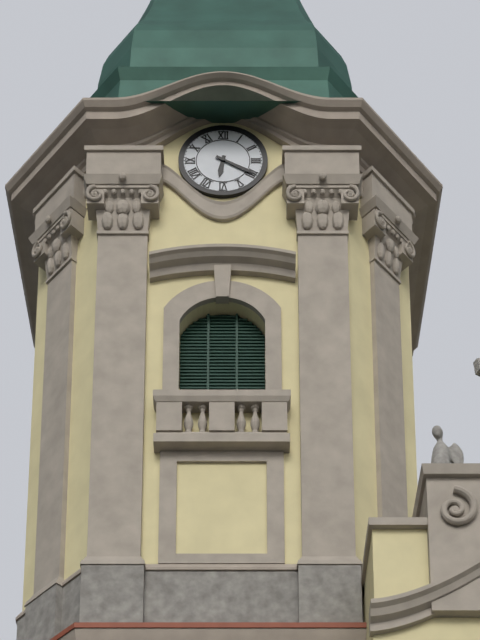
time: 6:20
